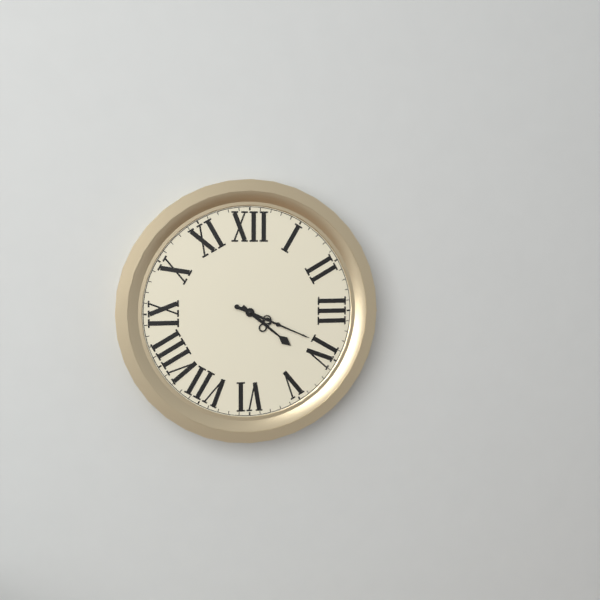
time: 4:19
